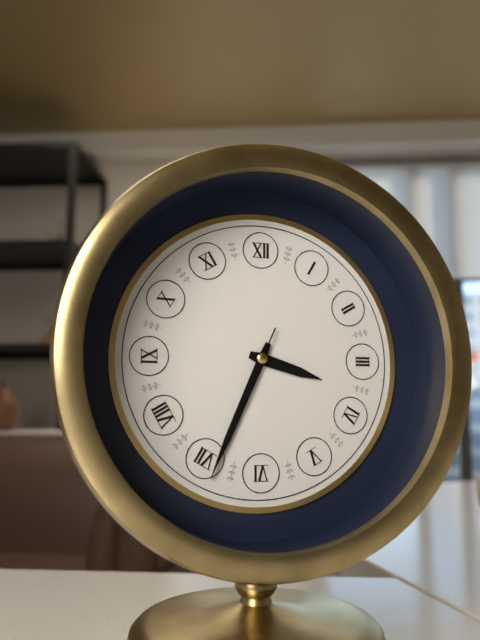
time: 3:34:34
